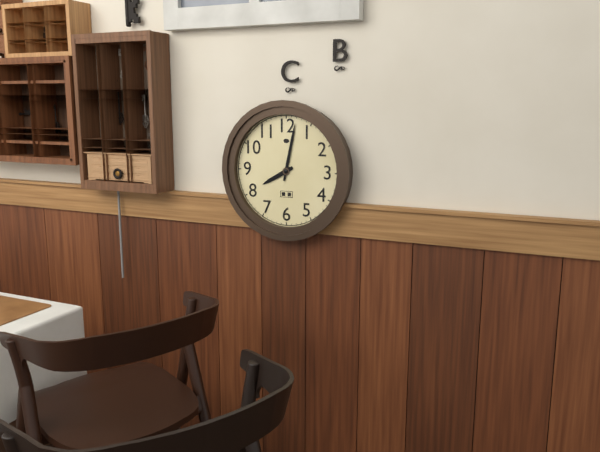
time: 8:02
